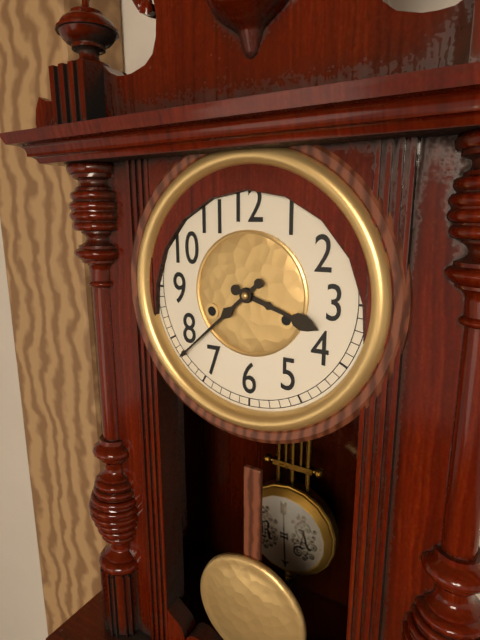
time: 3:38
